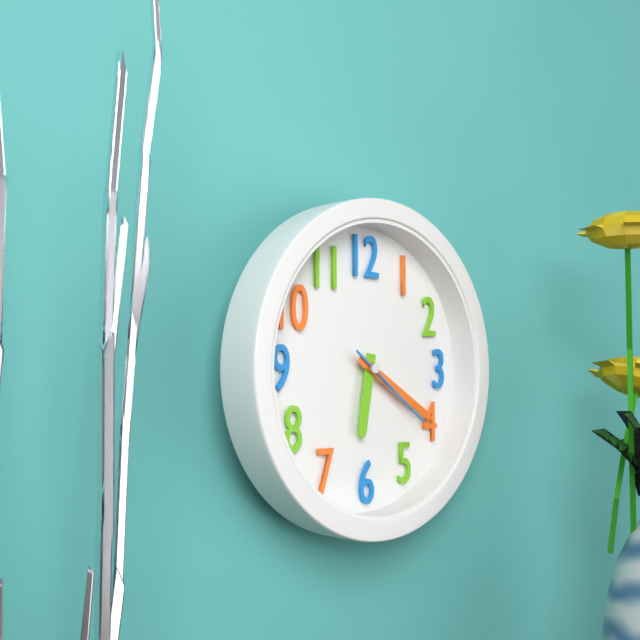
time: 6:20:21
